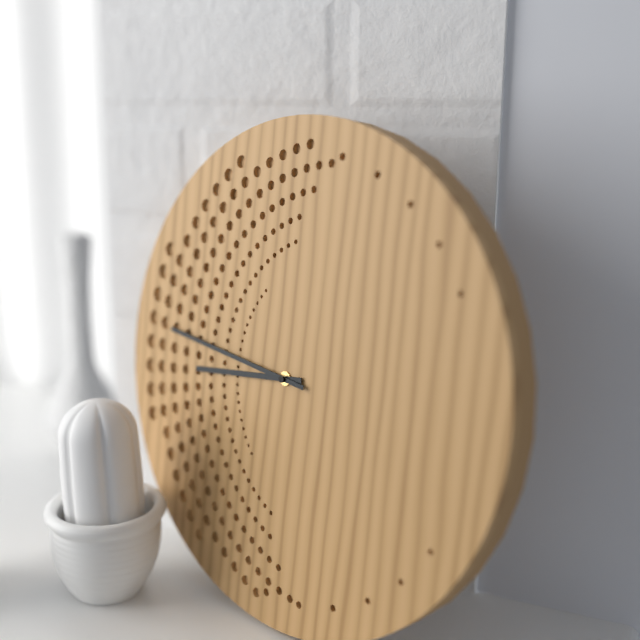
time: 8:46
